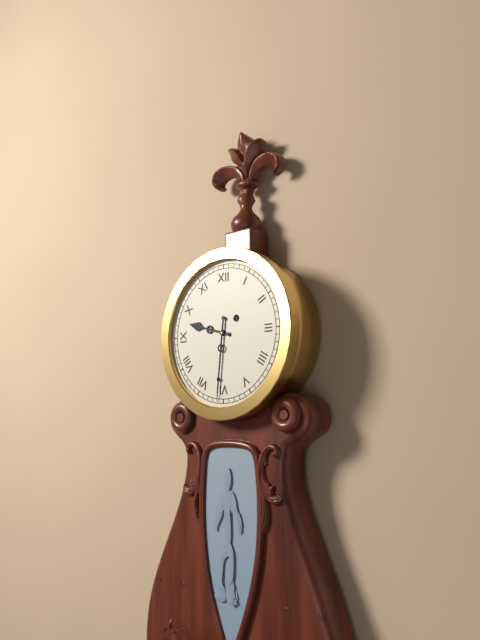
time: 9:31
